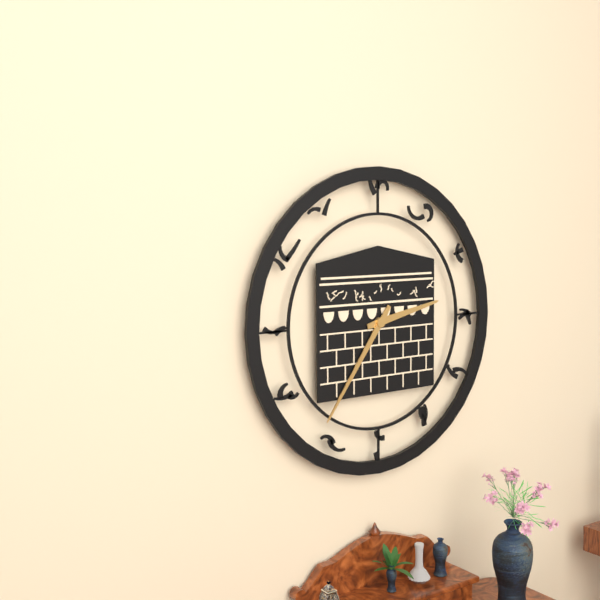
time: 2:36
